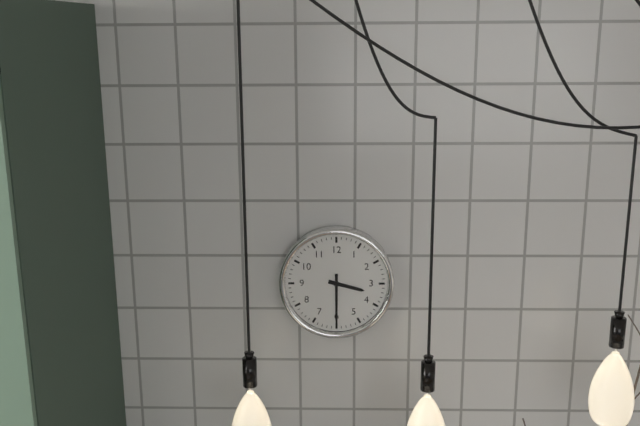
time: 3:30
